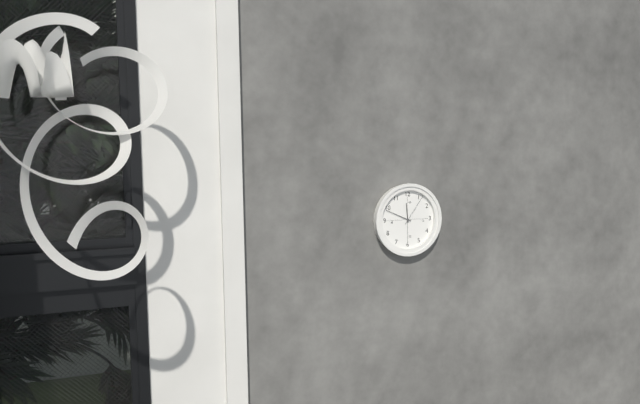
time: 11:49
